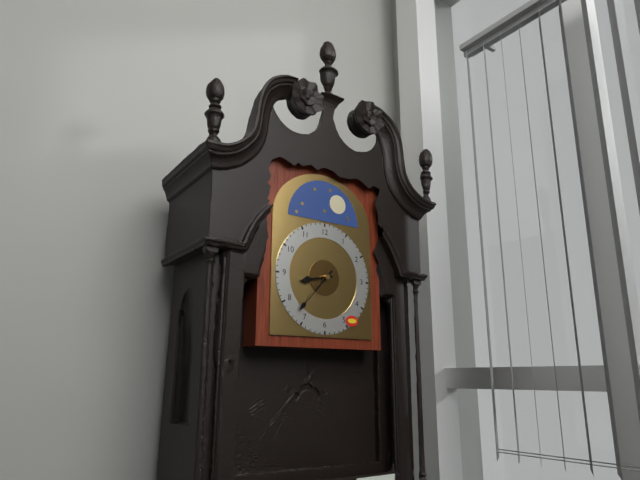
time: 8:37
